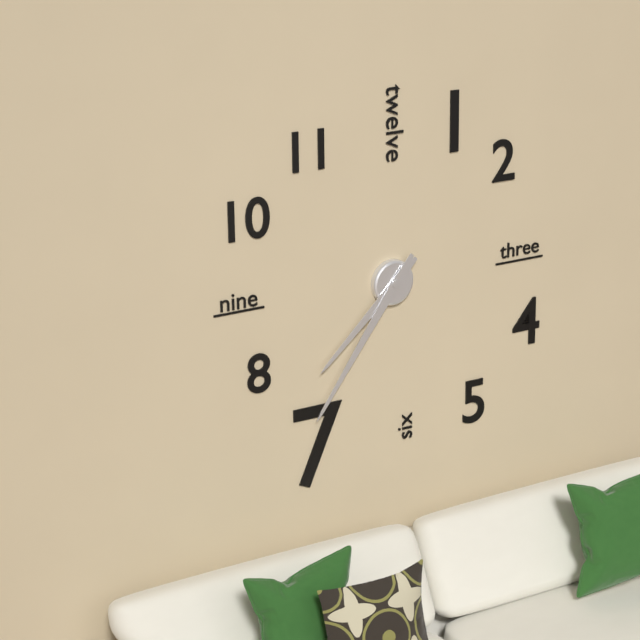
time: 7:36
